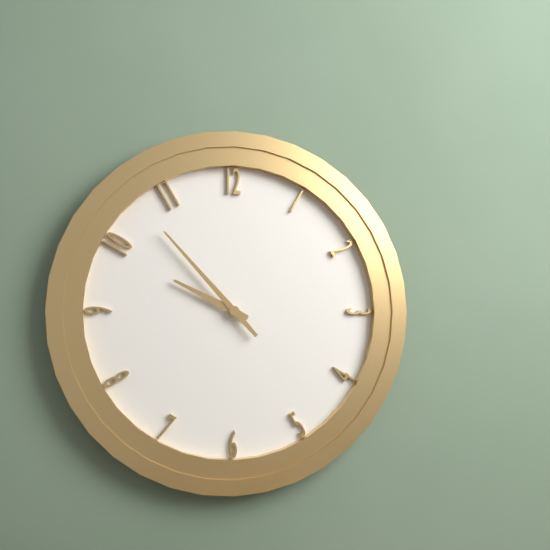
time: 9:53
